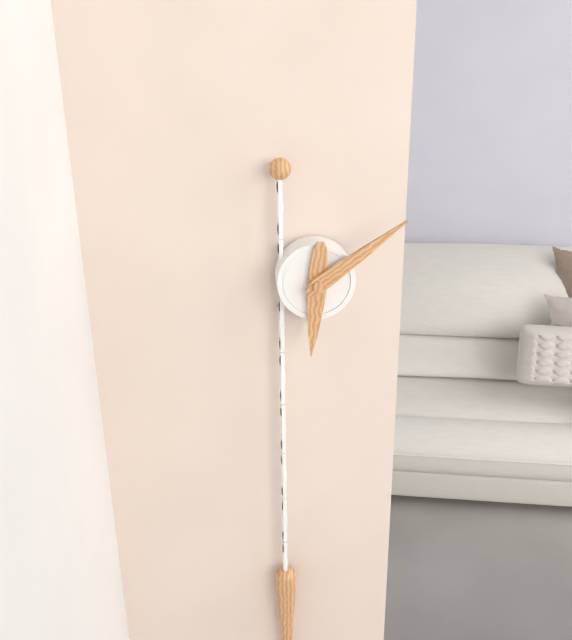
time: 6:09
